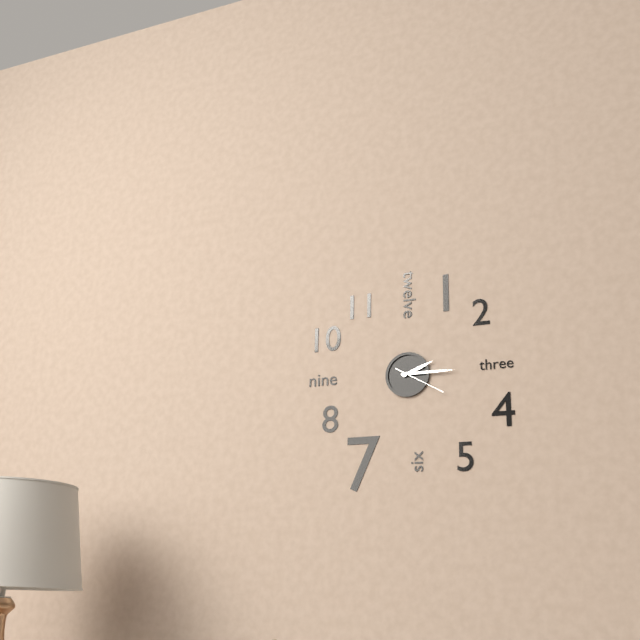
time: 2:15:20
